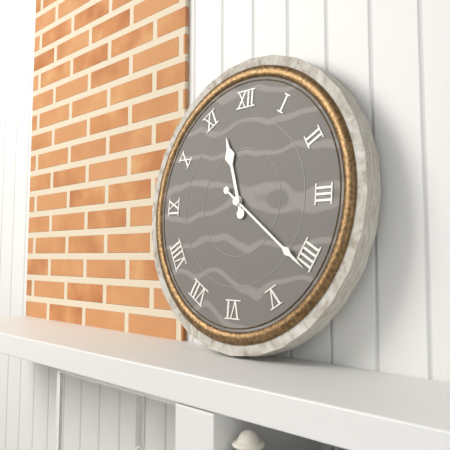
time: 11:21
